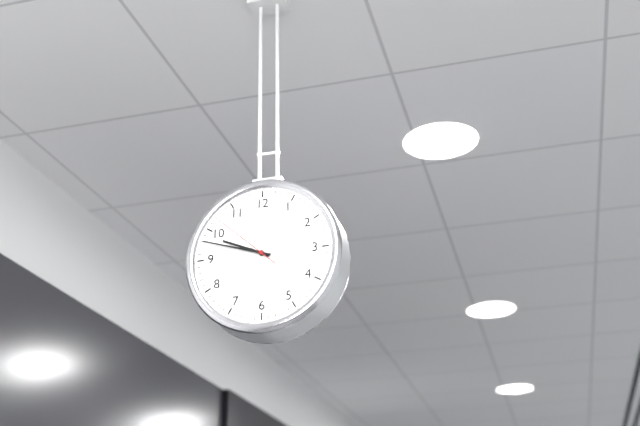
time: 9:48:52
